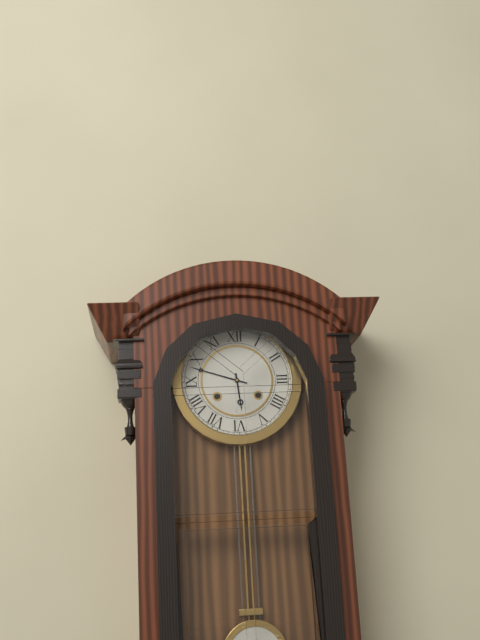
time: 5:48
